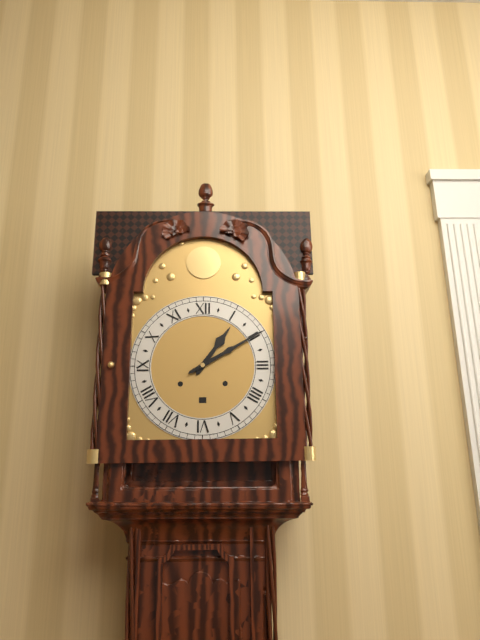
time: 1:10
